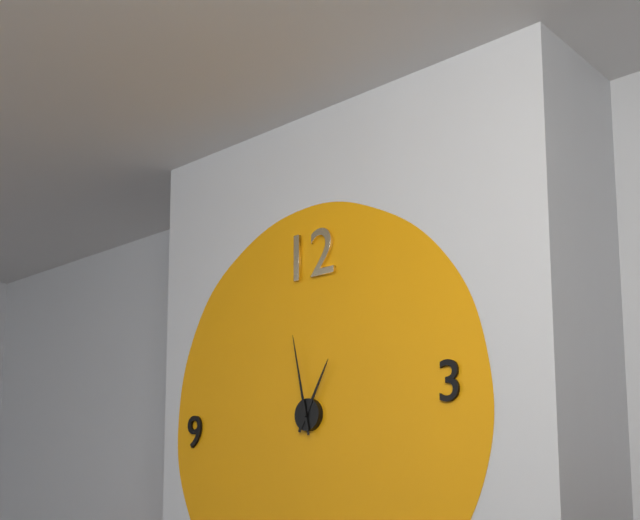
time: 12:58
